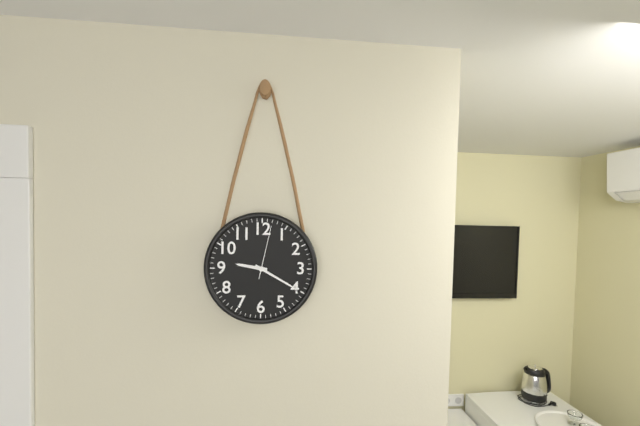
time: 9:20:02
